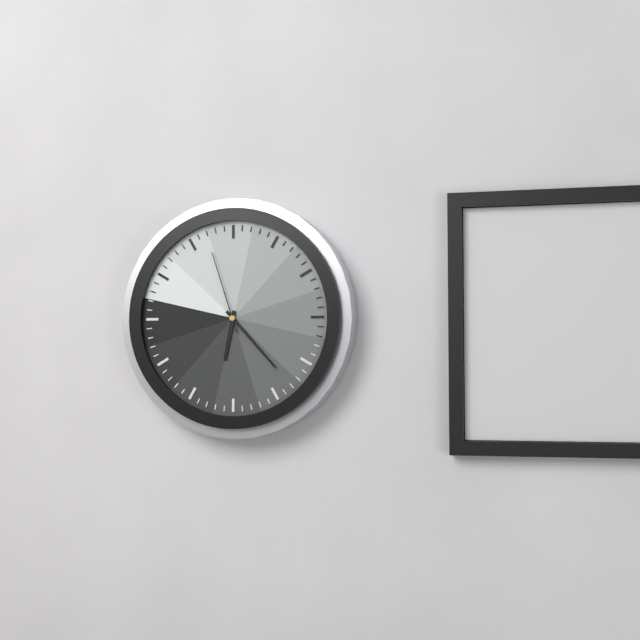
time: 6:23:57
